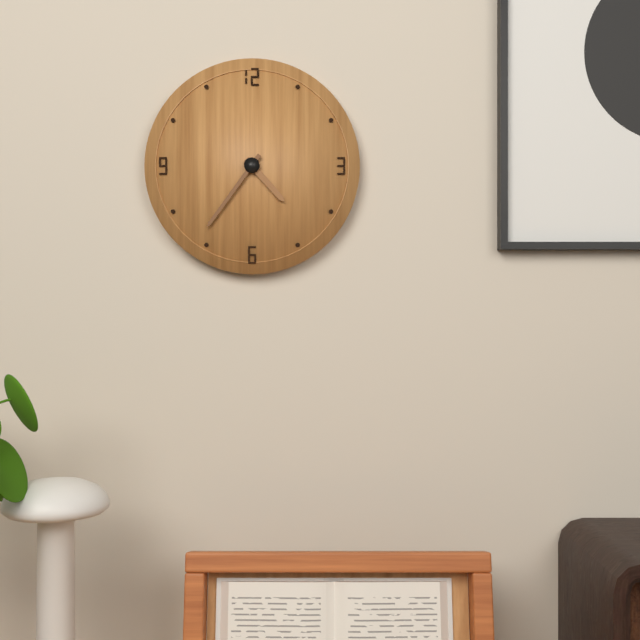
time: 4:36
